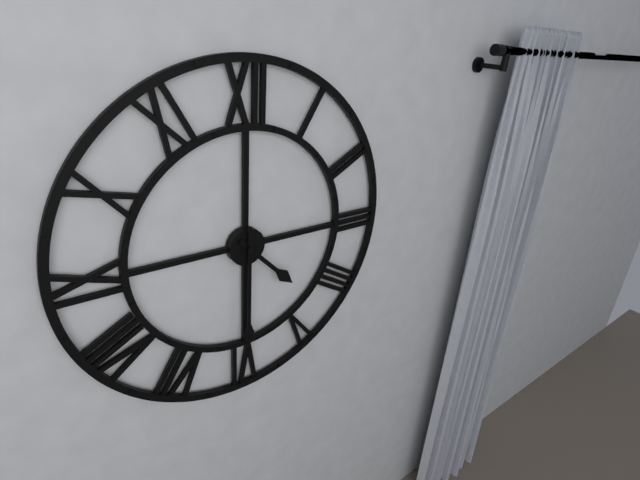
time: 4:30
